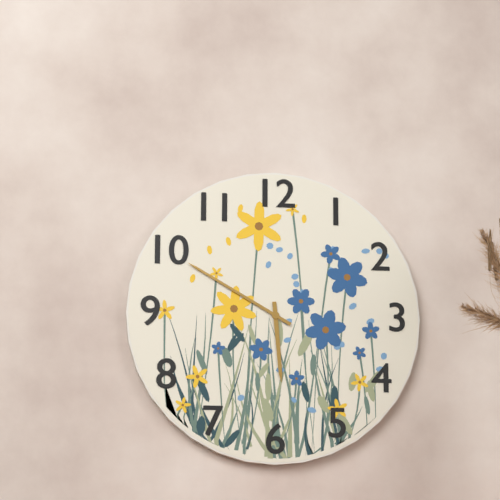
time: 5:50
